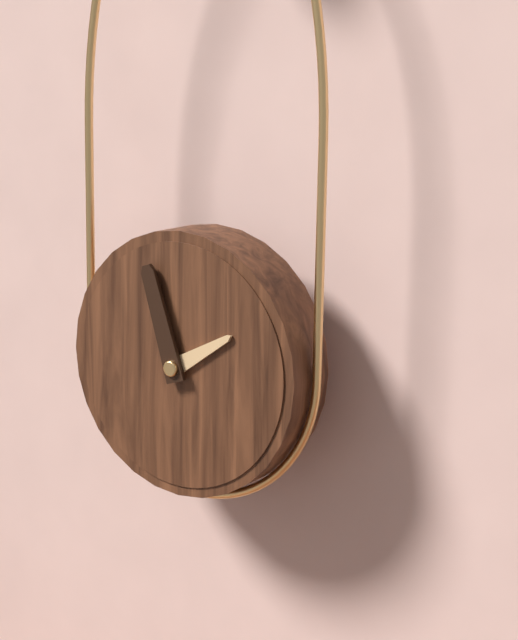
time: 1:57
